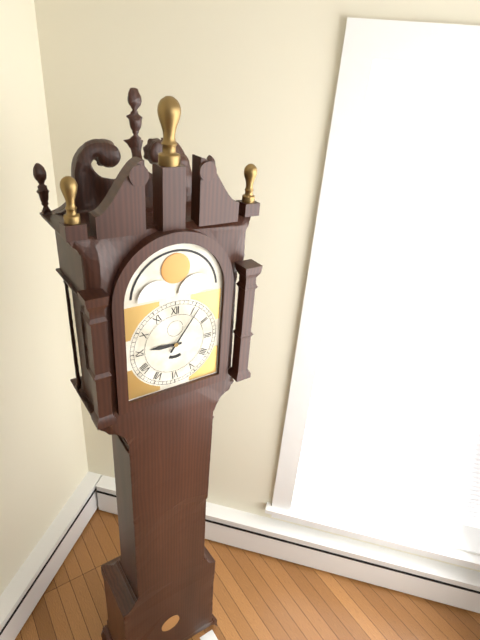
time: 9:06
